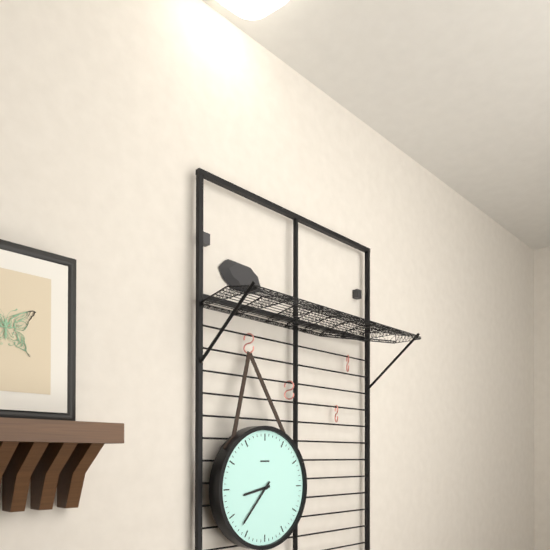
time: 8:37
